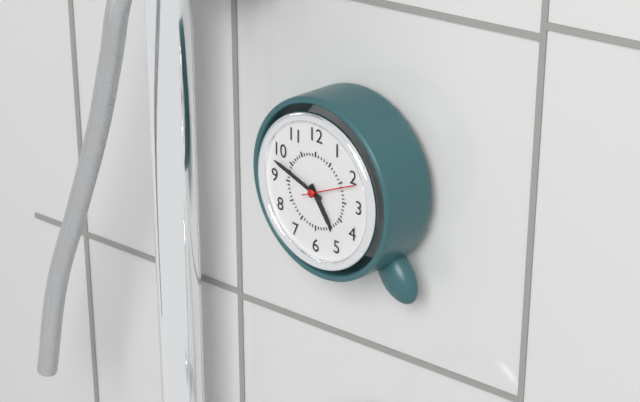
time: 4:48:11
